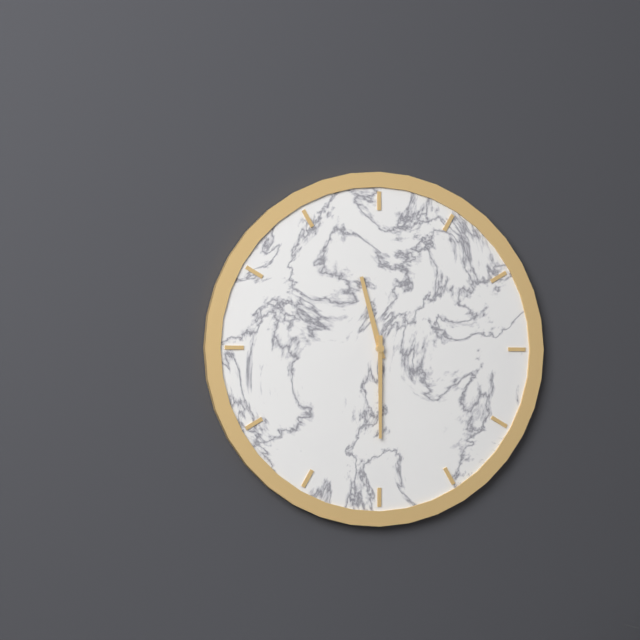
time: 11:30
